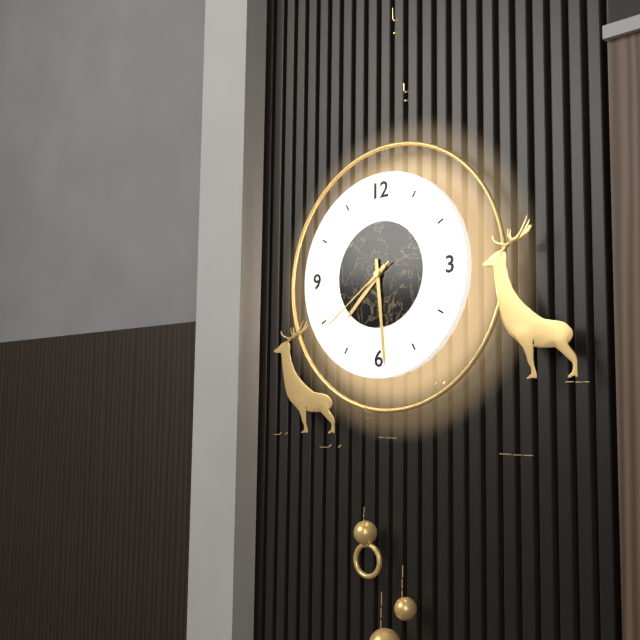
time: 7:29:39
